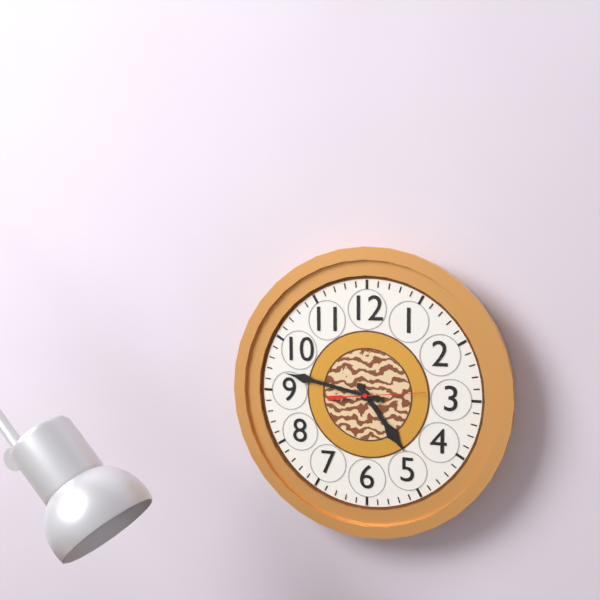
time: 4:47:14
